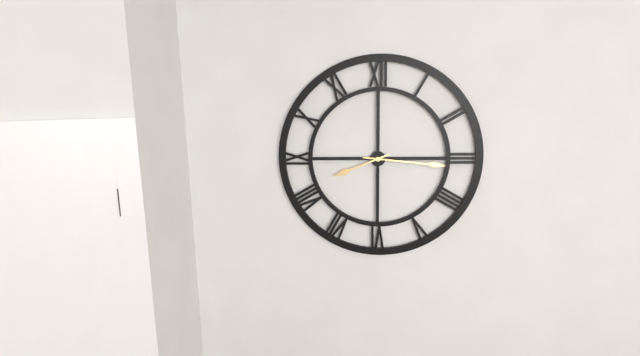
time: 8:16
